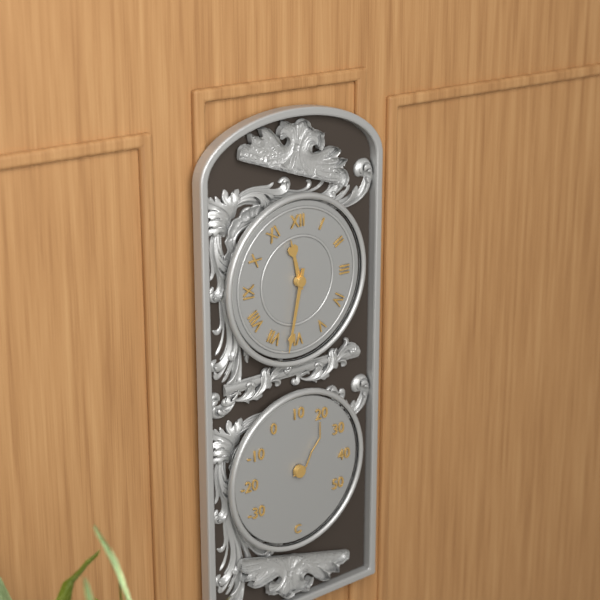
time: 11:32
